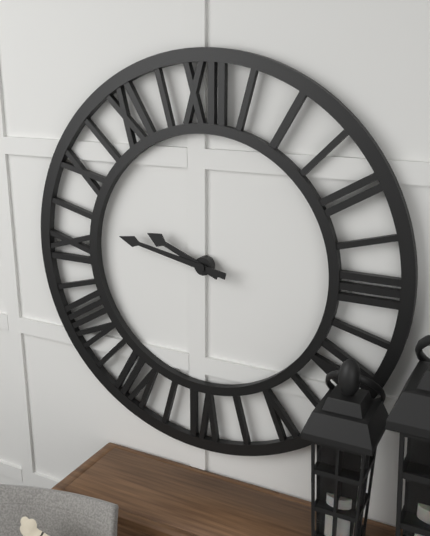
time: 9:47
